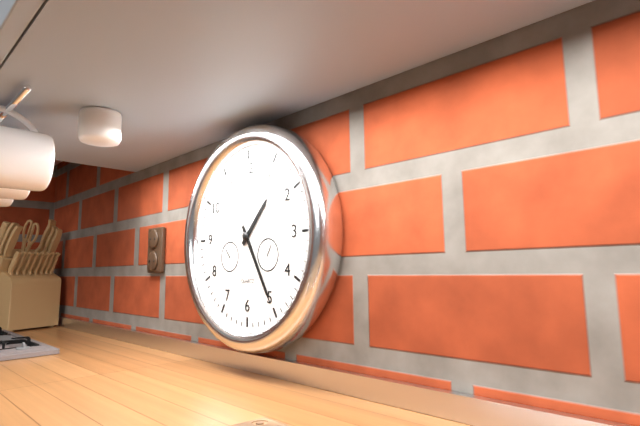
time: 1:25
